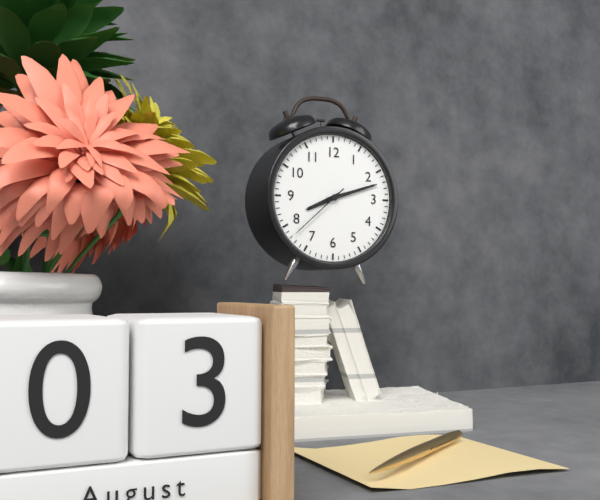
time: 8:12:38
